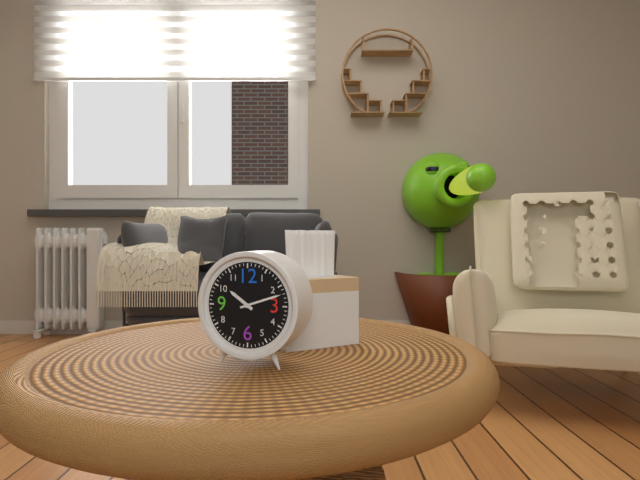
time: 10:12
